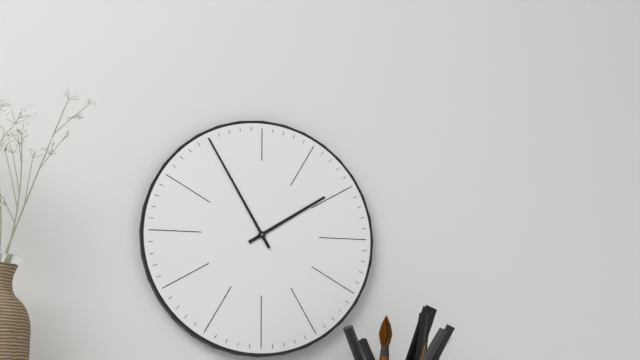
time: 1:55
